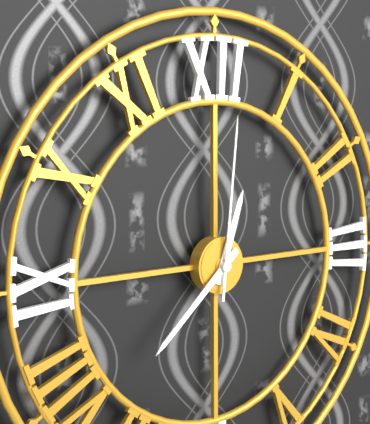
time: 12:38:01
